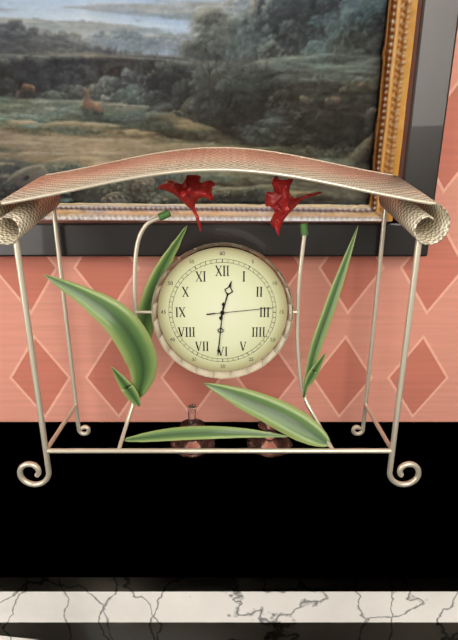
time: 12:31:14
